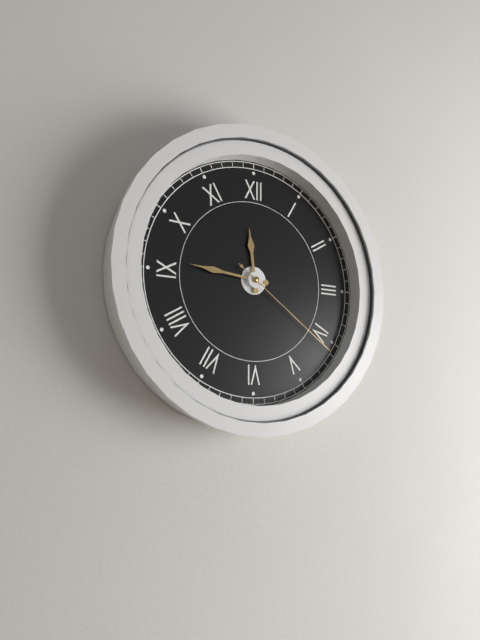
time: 11:46:21
